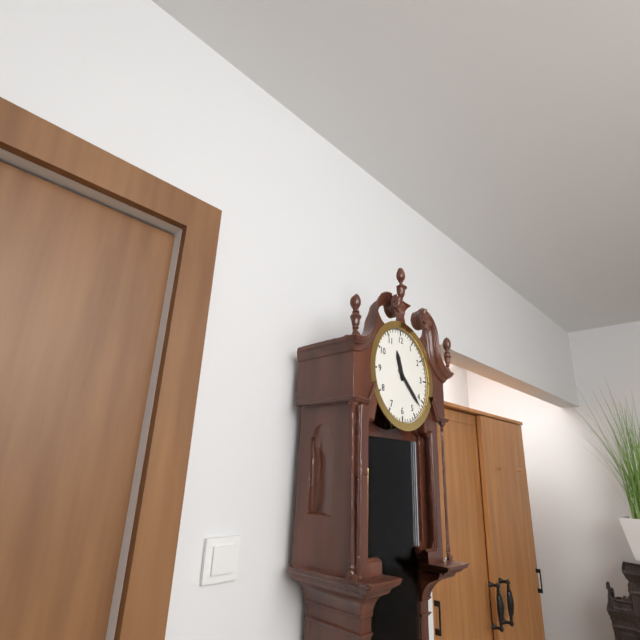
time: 11:22
